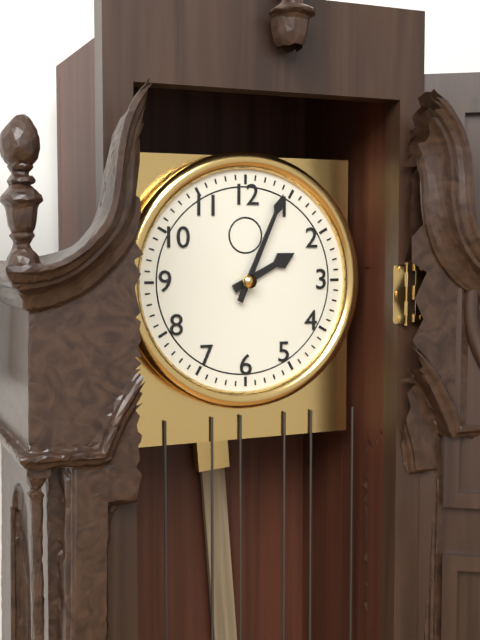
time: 2:04
